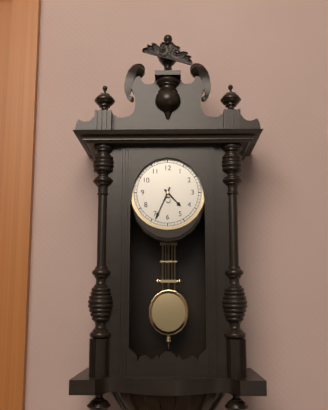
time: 4:34
